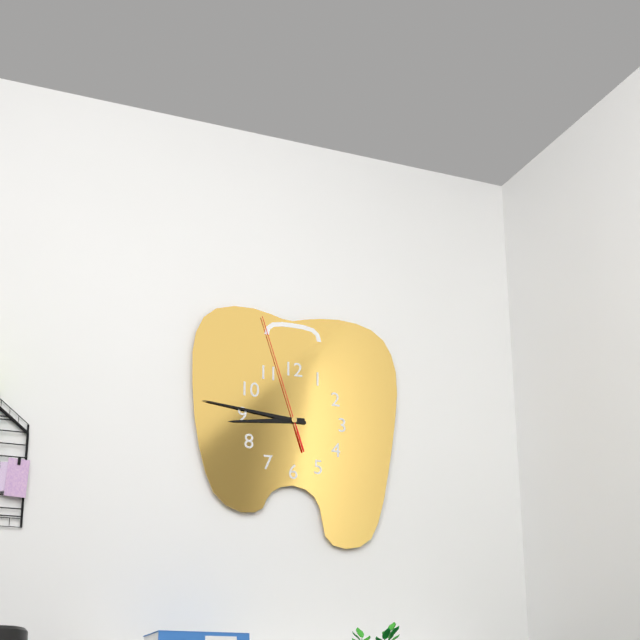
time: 8:46:57
